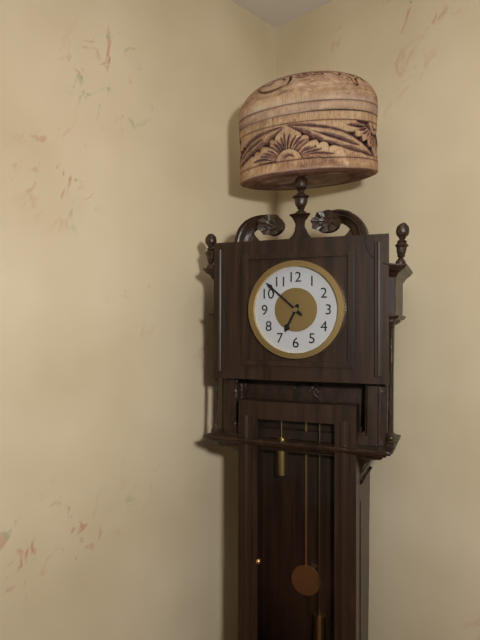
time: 6:52
